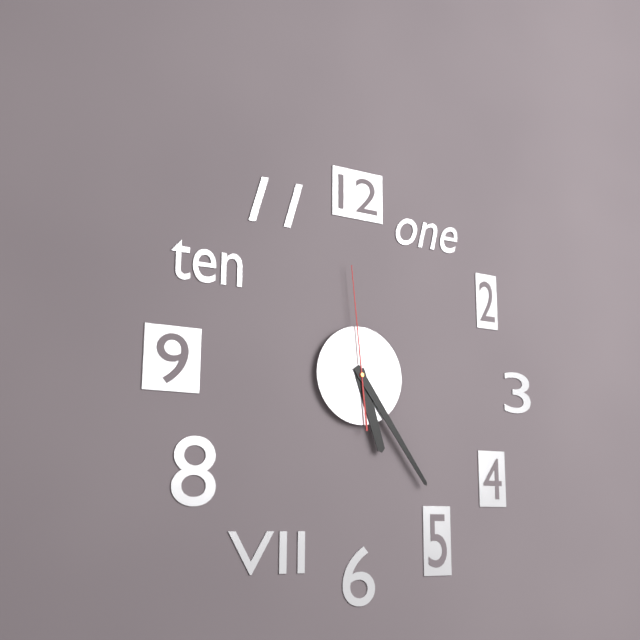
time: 5:24:59
